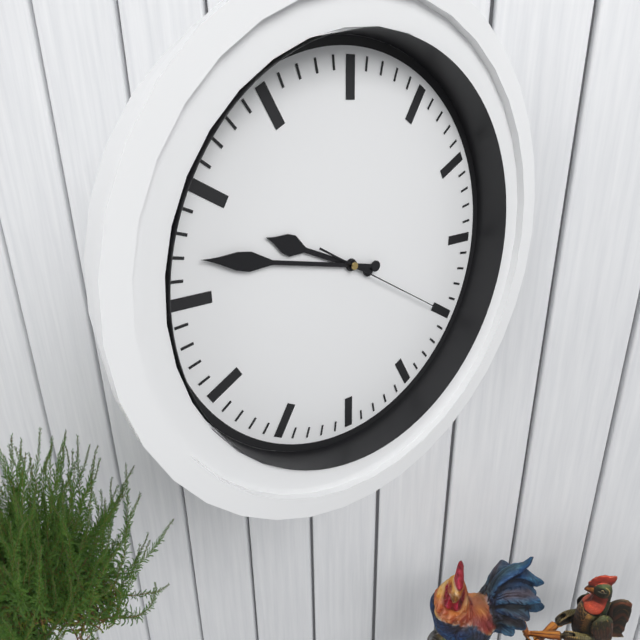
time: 9:47:20
